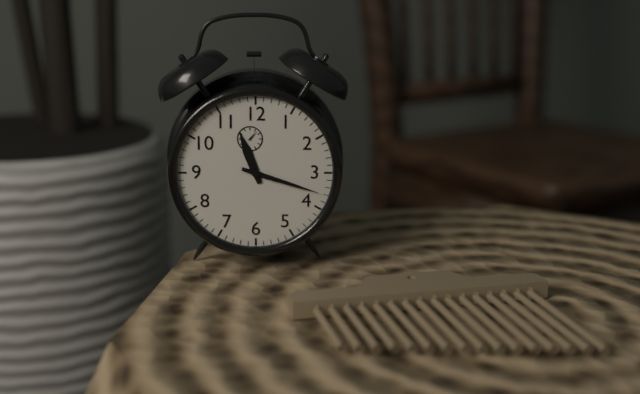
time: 11:18
